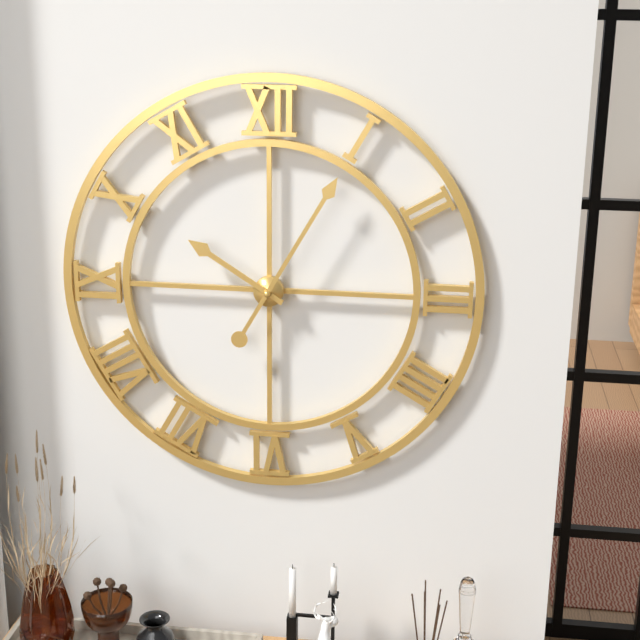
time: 10:05
